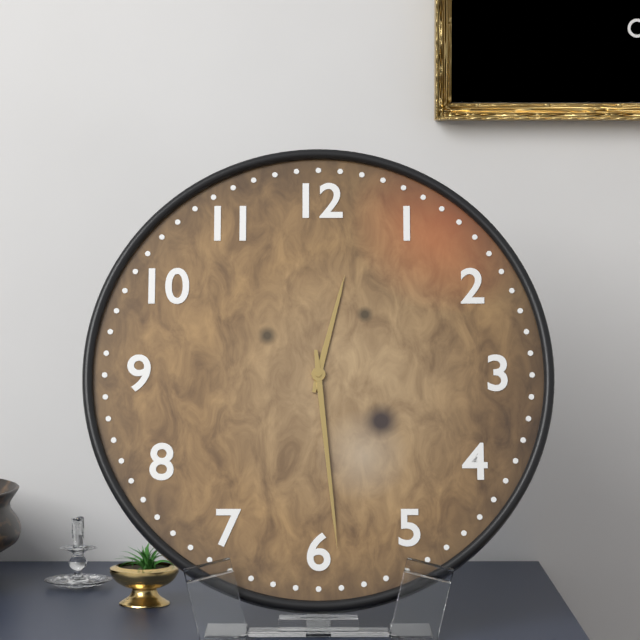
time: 12:29
